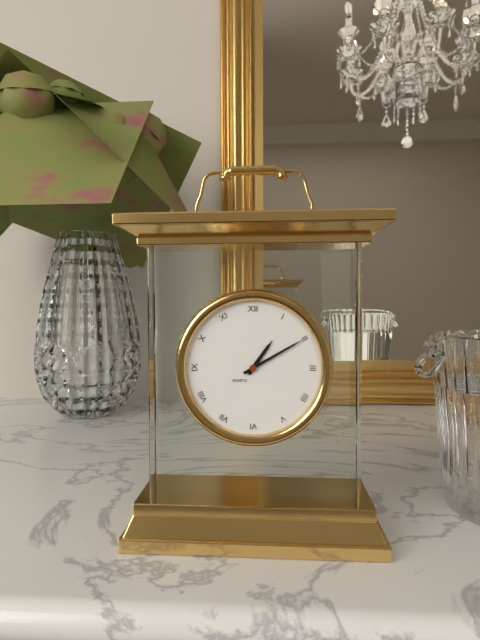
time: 1:10
